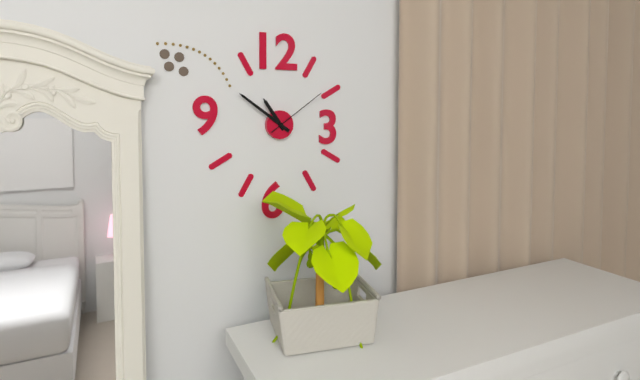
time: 10:51:09
